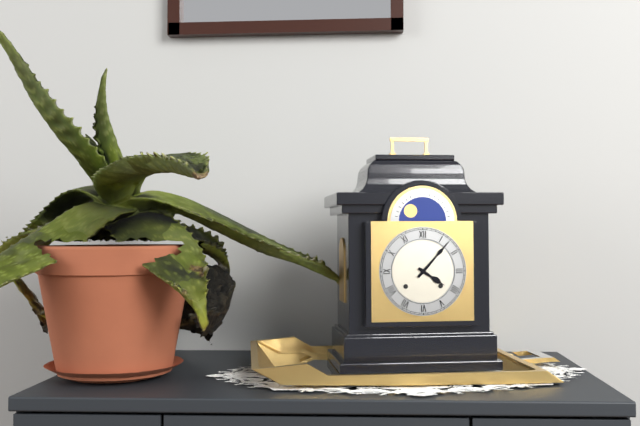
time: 4:07
